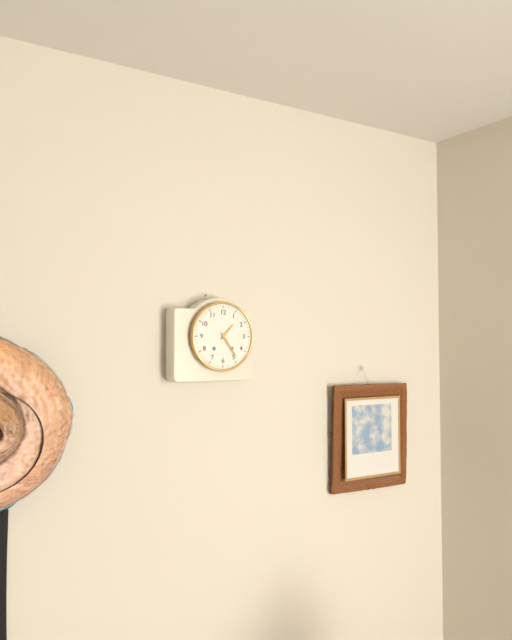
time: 1:24
